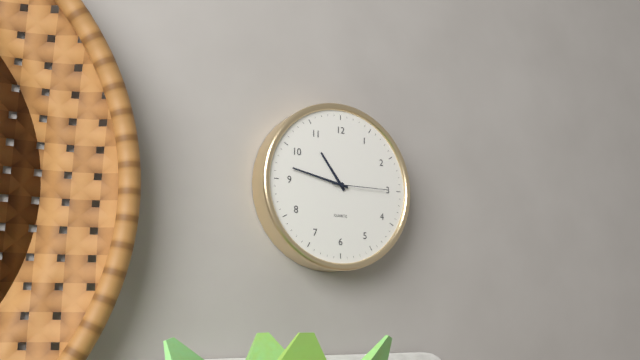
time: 10:47:15
